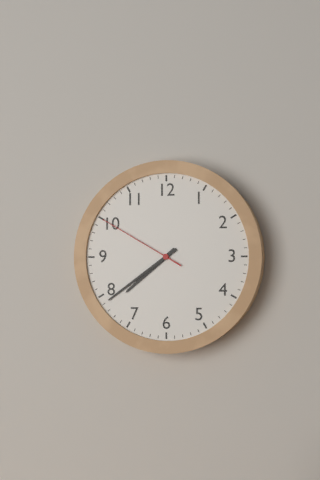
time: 7:39:50
